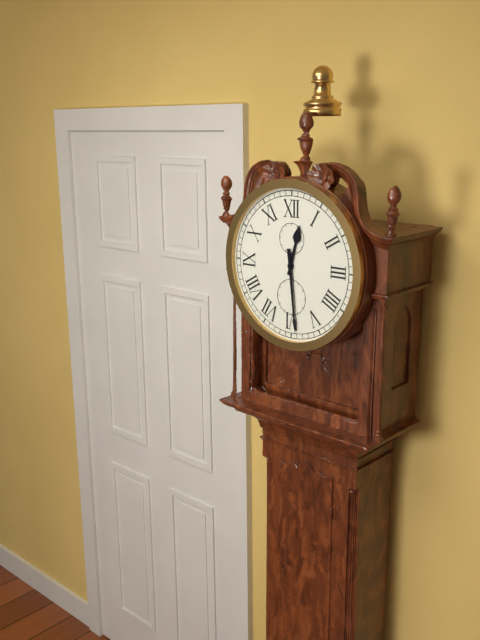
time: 12:29
